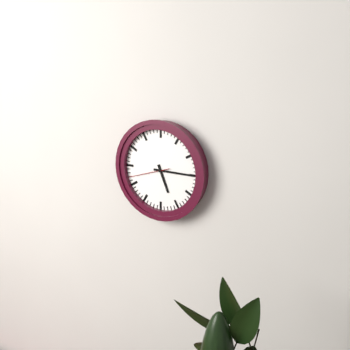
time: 5:15
